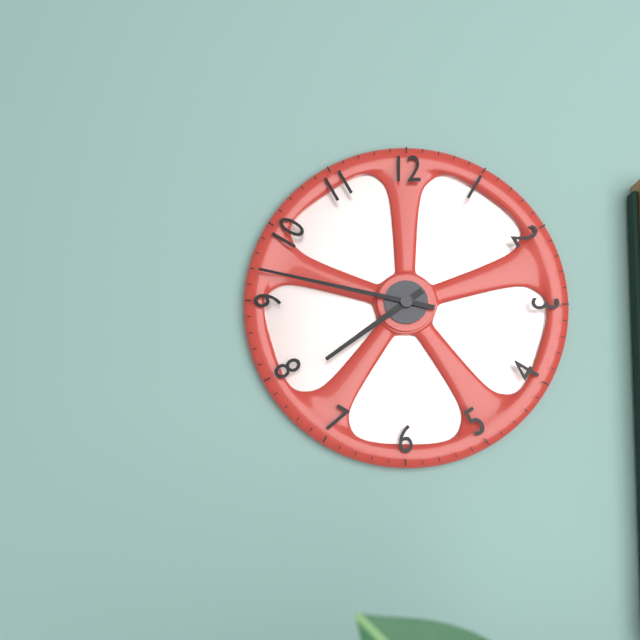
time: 7:47
